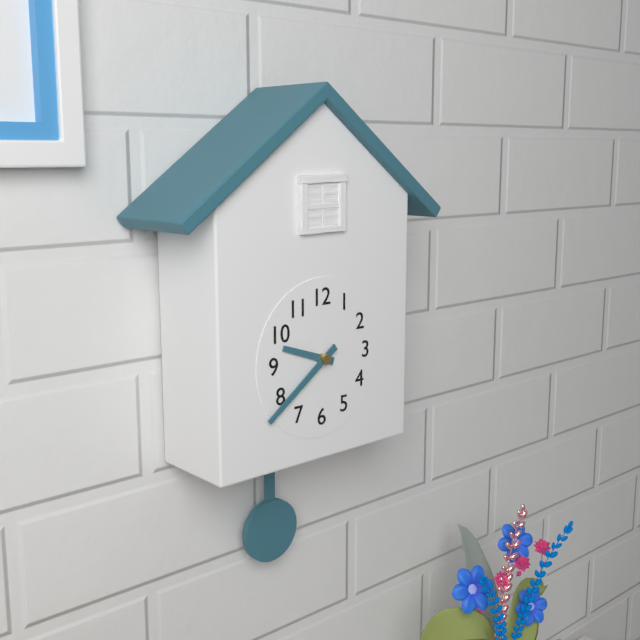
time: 9:39
